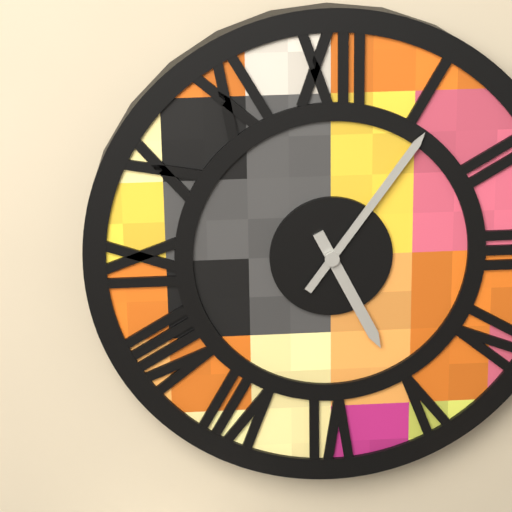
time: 5:06
